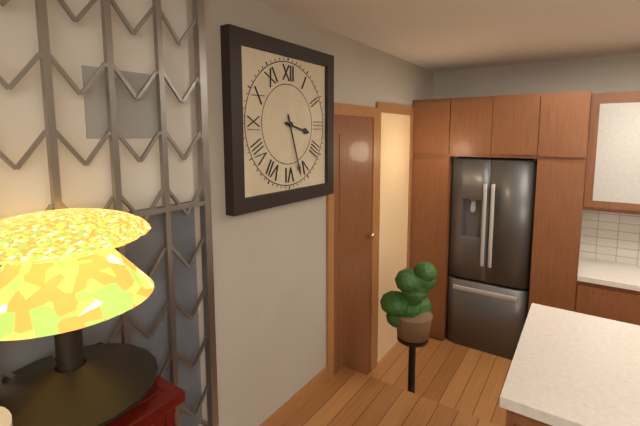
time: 3:27
